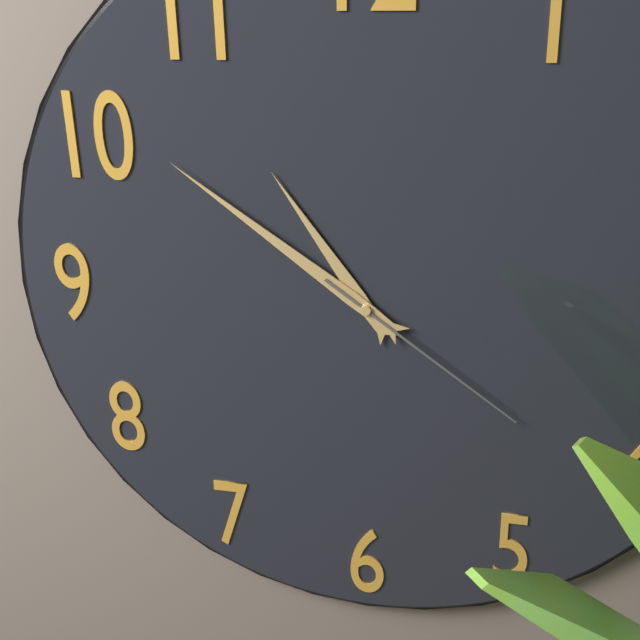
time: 10:51:21
